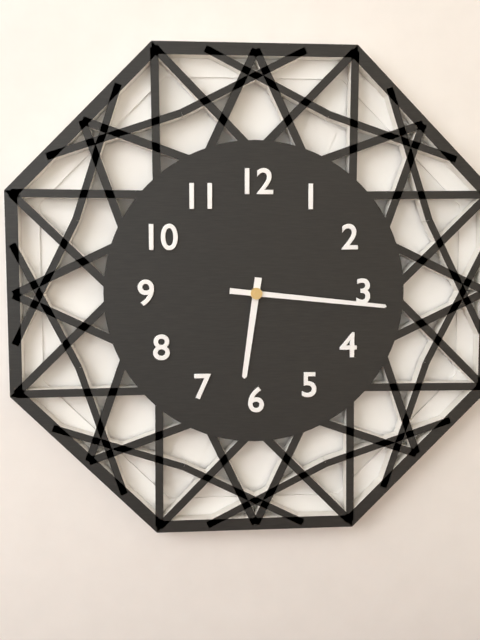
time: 6:16
